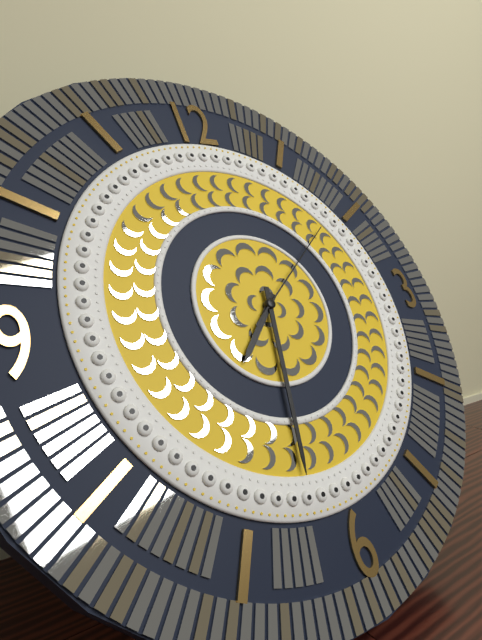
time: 7:32:09
